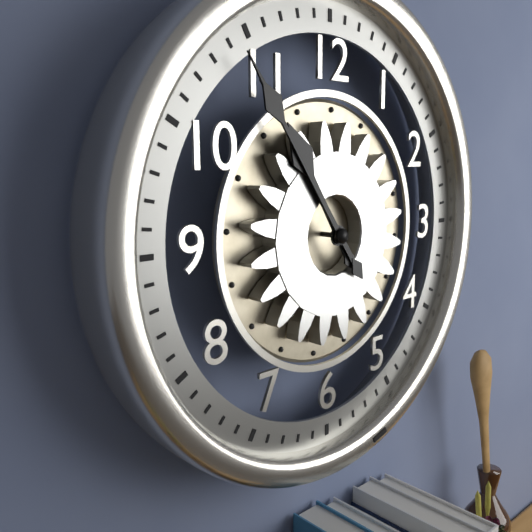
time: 10:54
